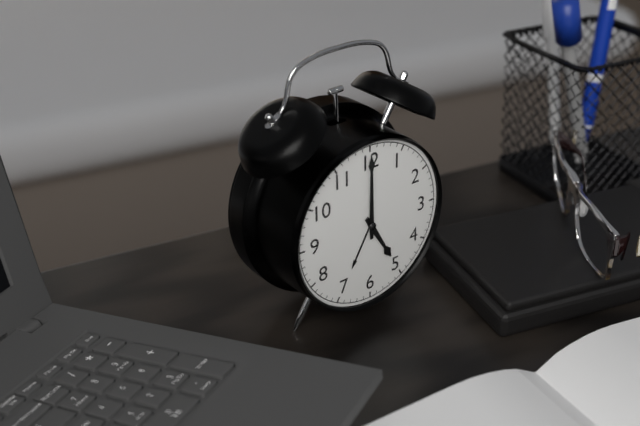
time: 5:00
